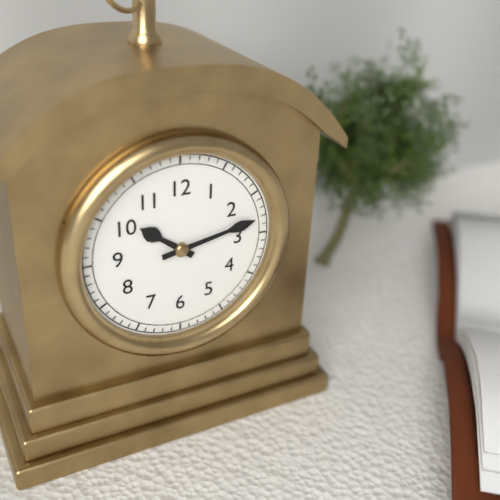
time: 10:13
